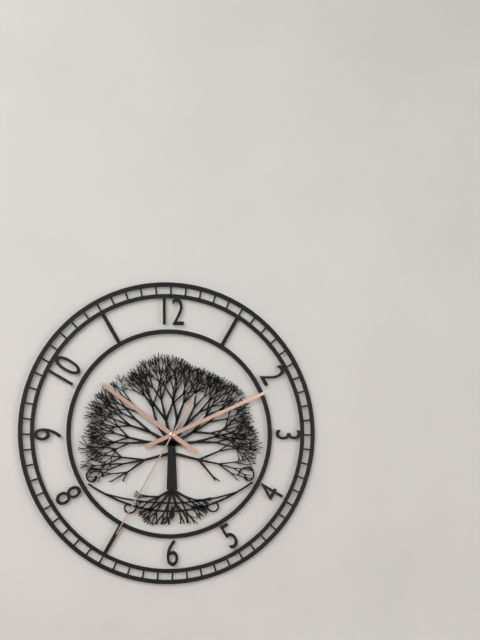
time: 10:11:35
